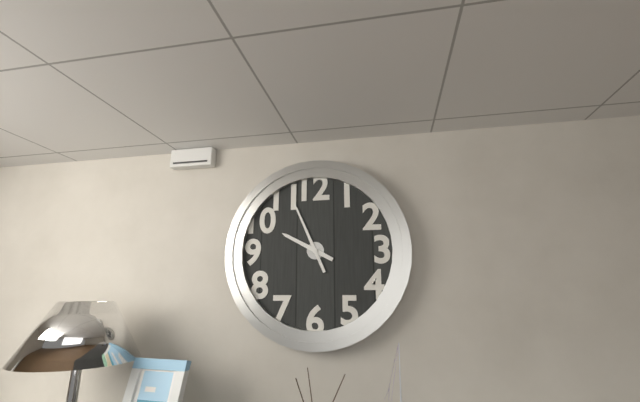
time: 9:56
